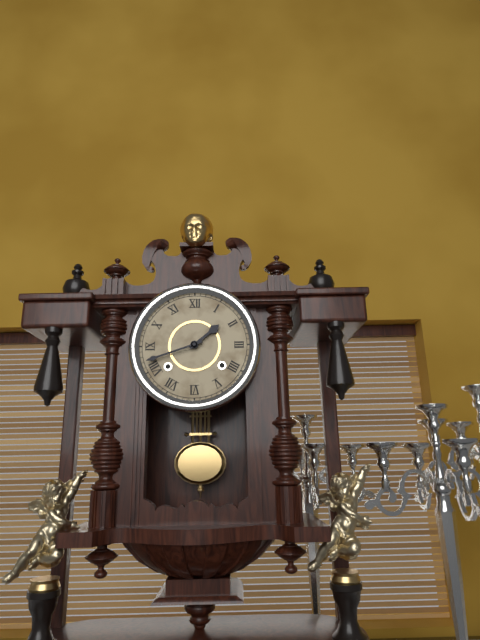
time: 1:42
